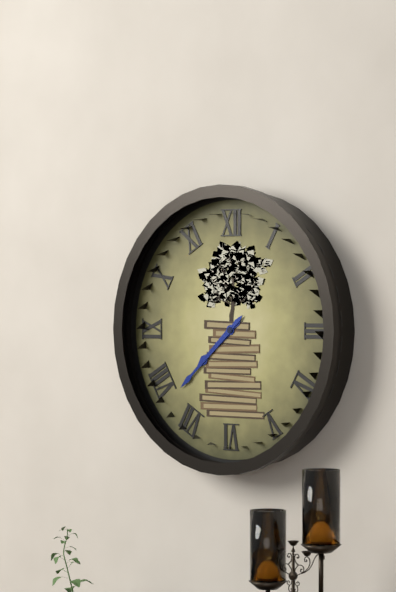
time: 7:38
